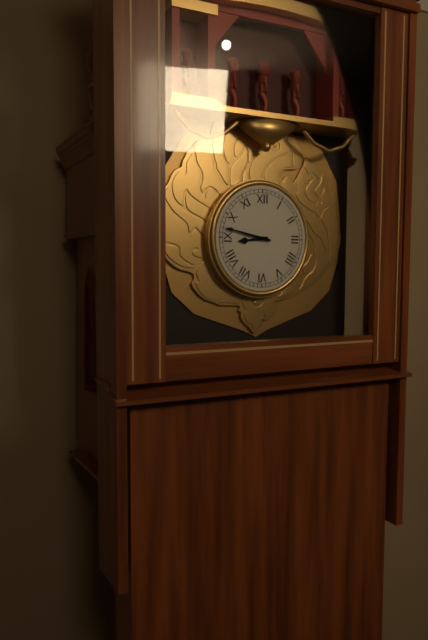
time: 8:47
